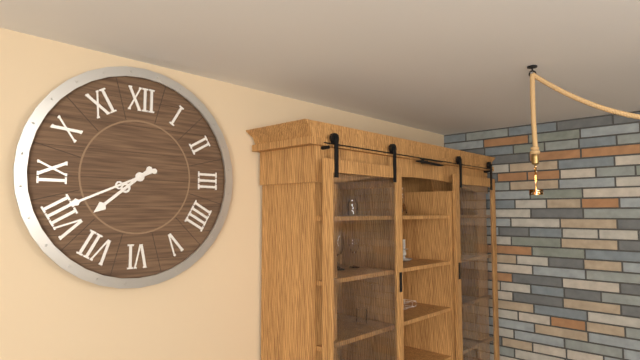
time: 7:41
